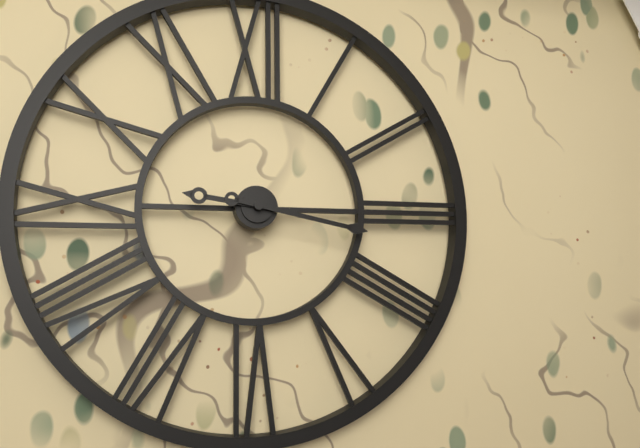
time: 9:17
